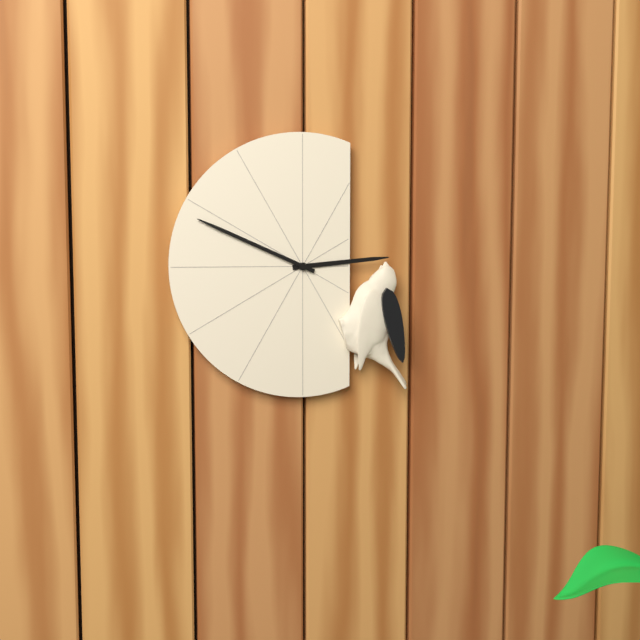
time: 2:49
